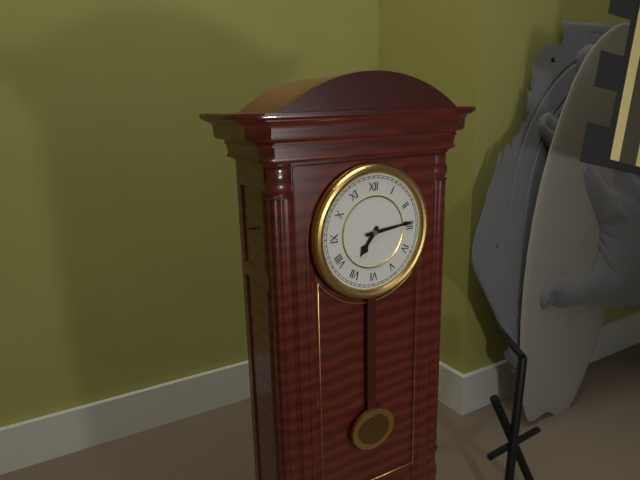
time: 7:14
